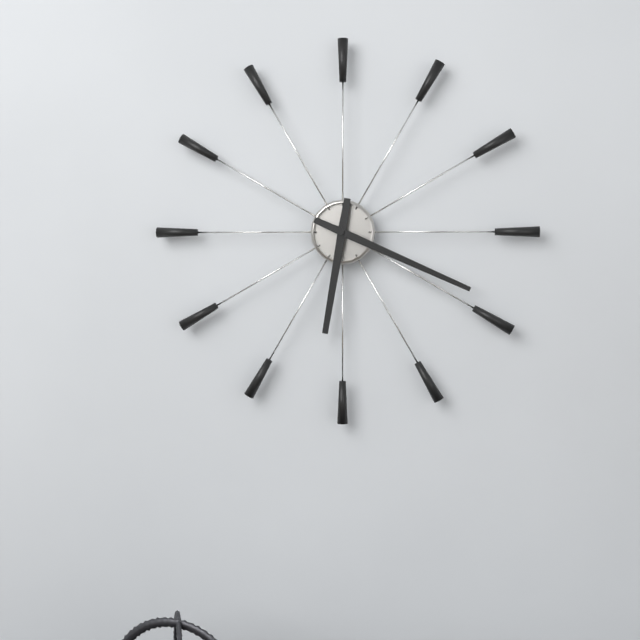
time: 6:19
